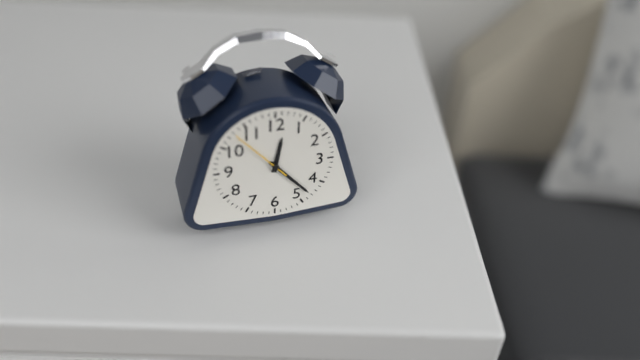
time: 12:23
